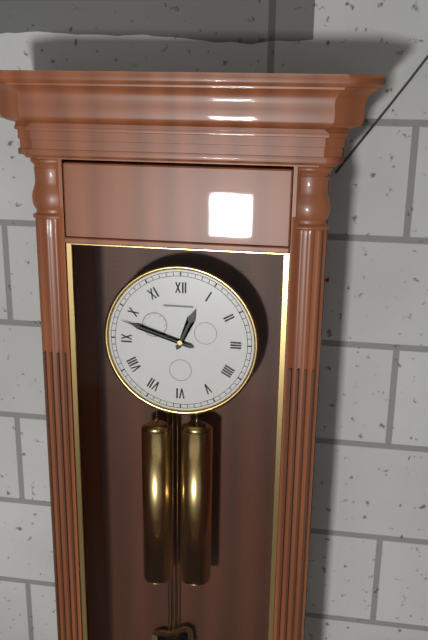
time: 12:48
